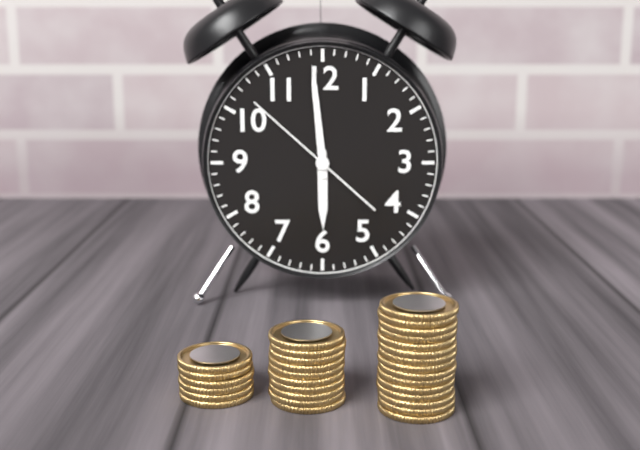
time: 5:59:52
